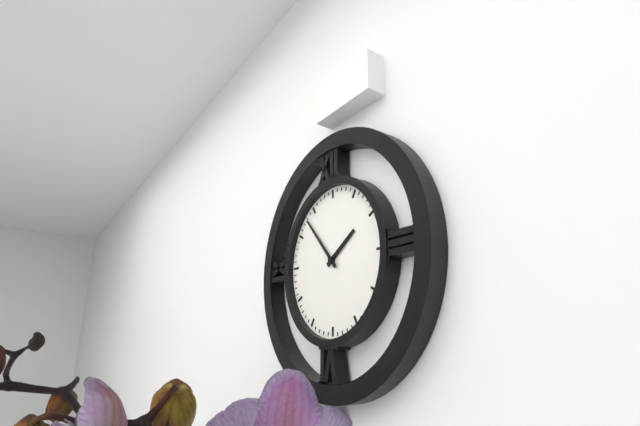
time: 1:53
